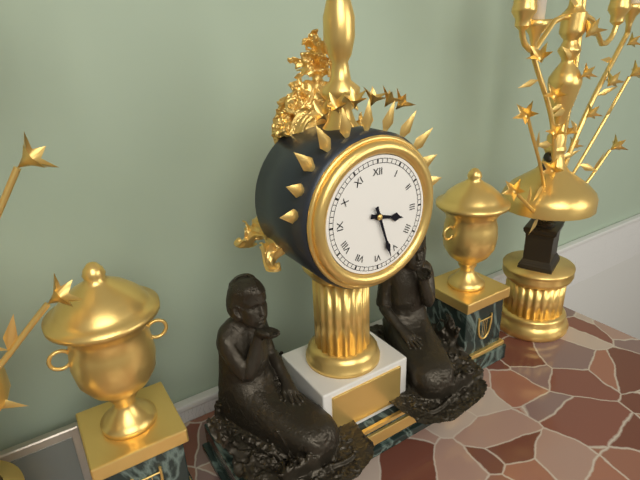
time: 3:27
